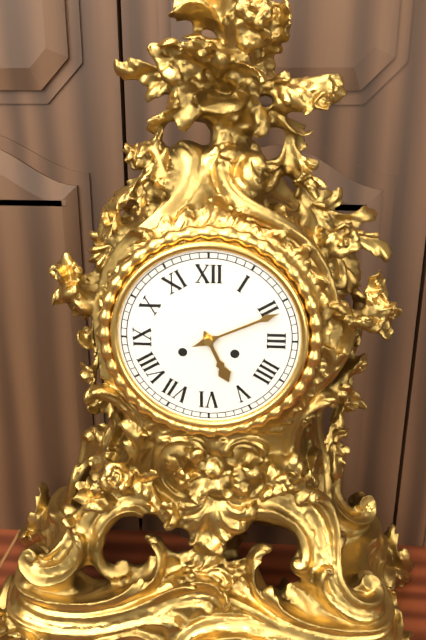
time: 5:11
